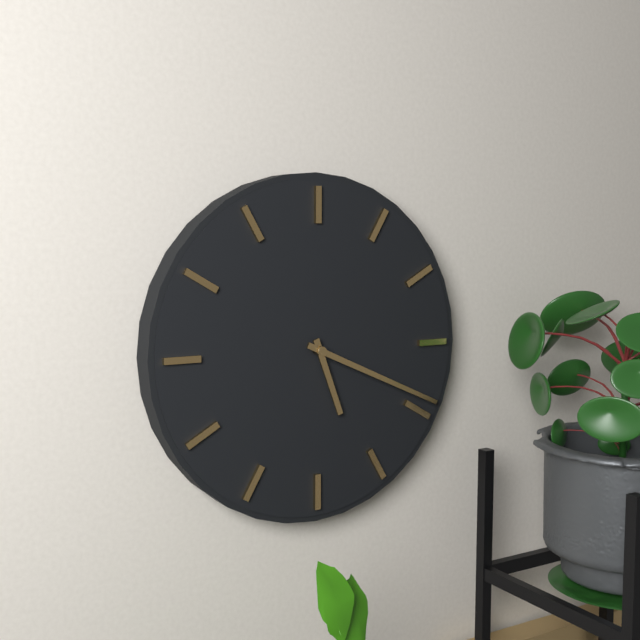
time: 5:19
